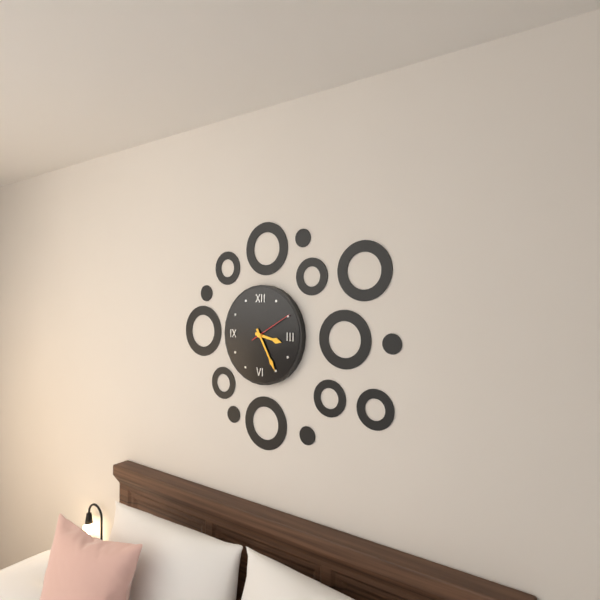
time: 3:25
